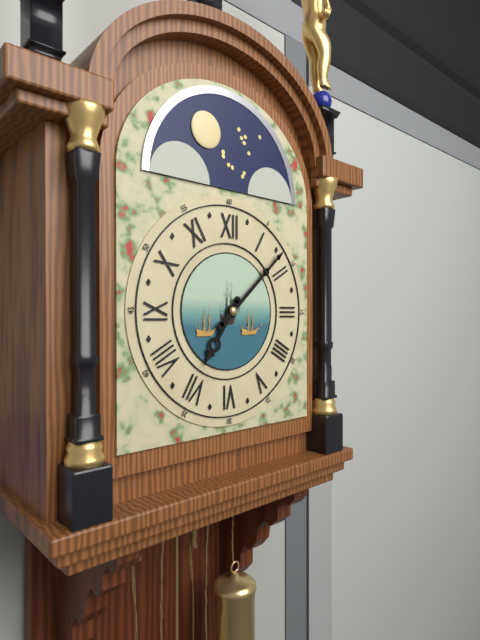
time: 7:08
